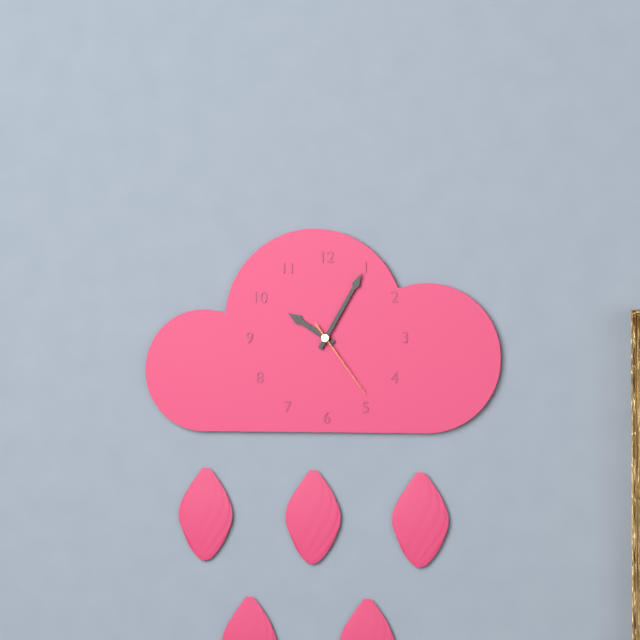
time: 10:05:24
